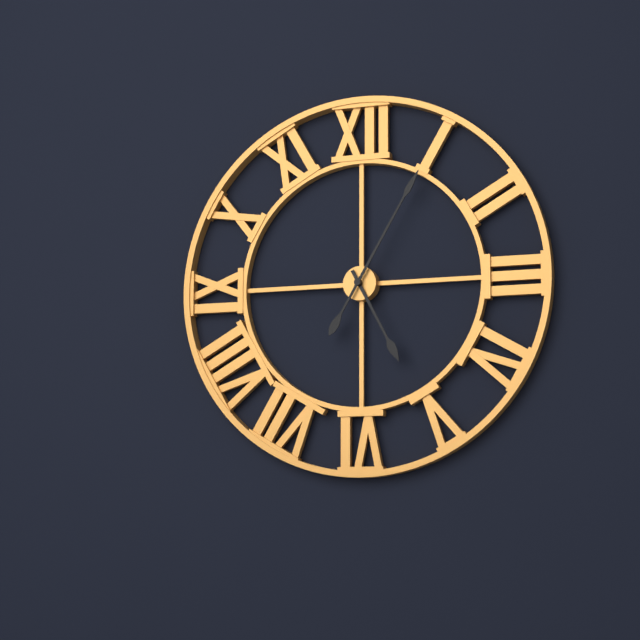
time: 5:05
